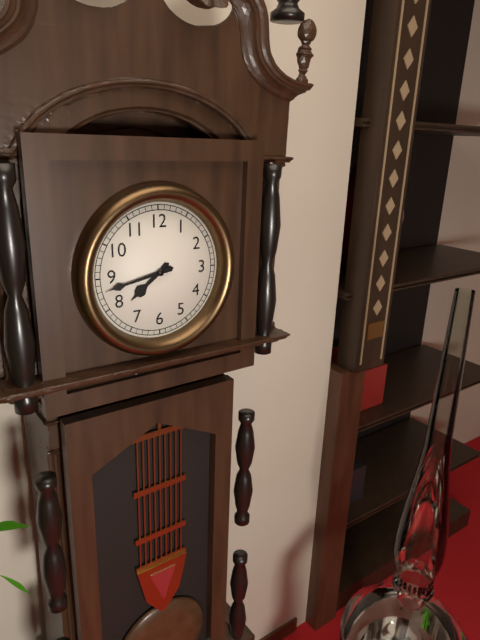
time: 7:43
